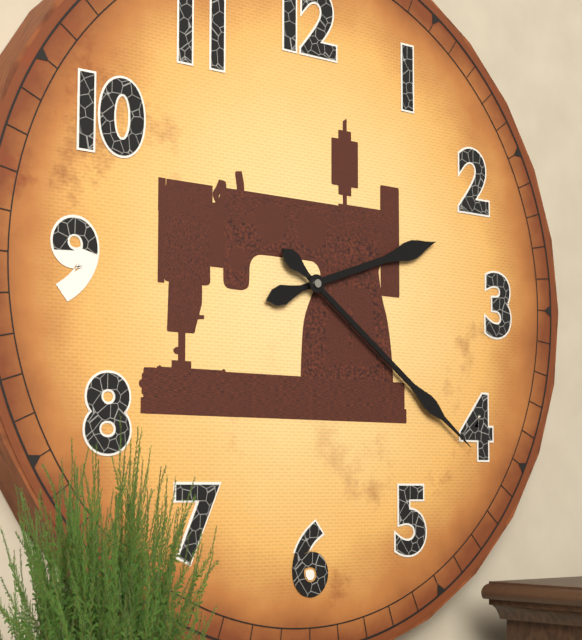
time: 2:21
